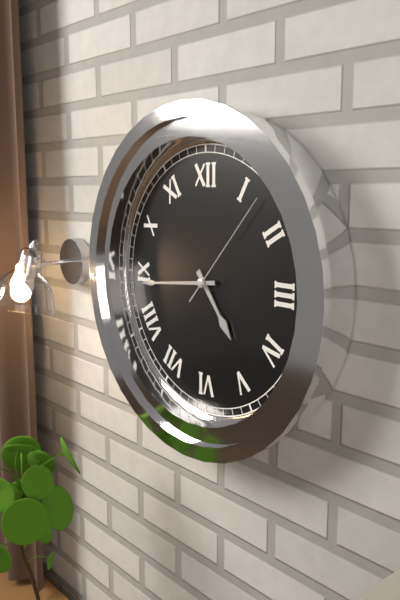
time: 4:44:07
